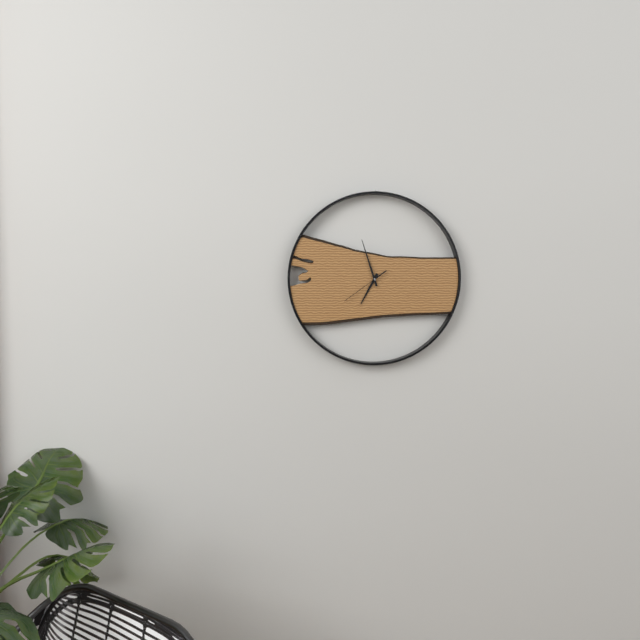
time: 6:57
